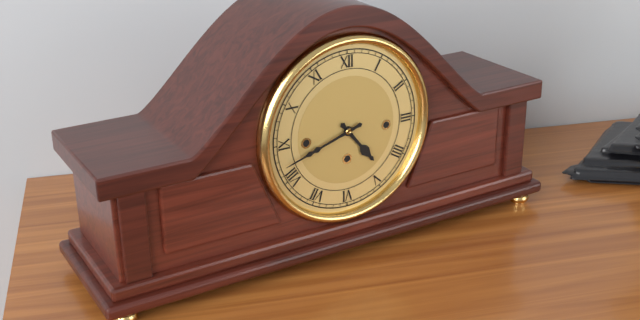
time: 4:42
